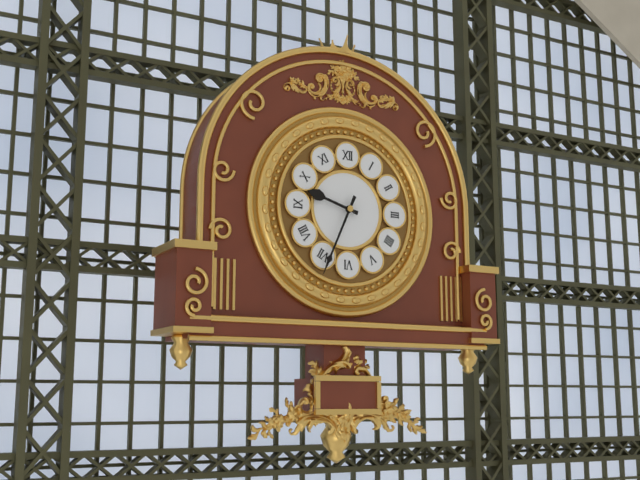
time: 9:34
